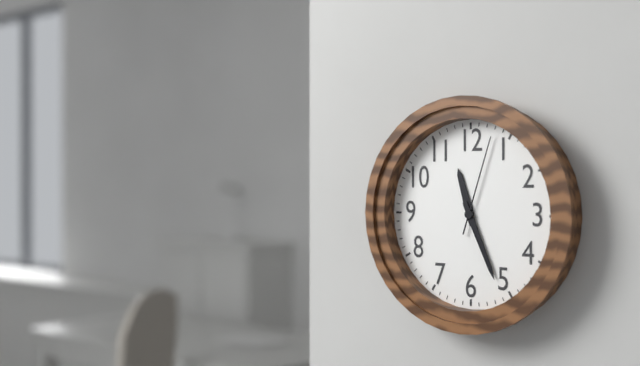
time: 11:26:03
